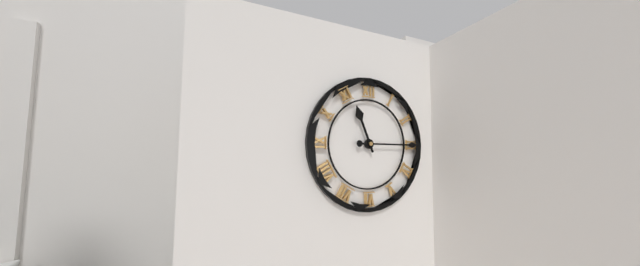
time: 11:15
